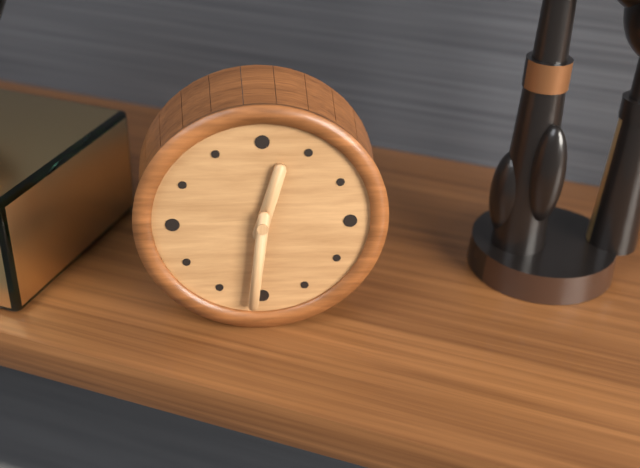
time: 12:31
